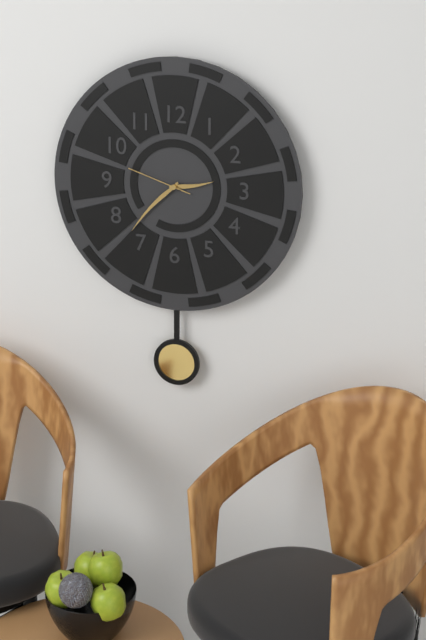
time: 2:37:48
